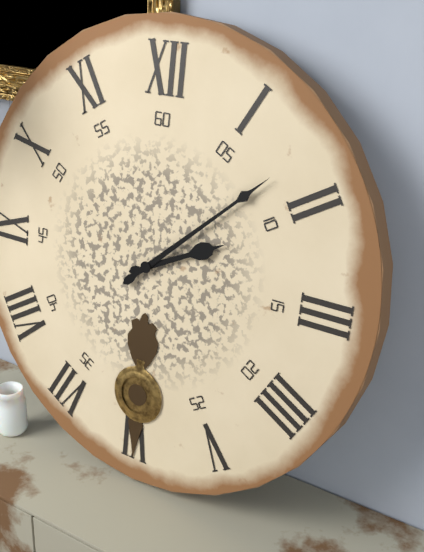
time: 2:08
